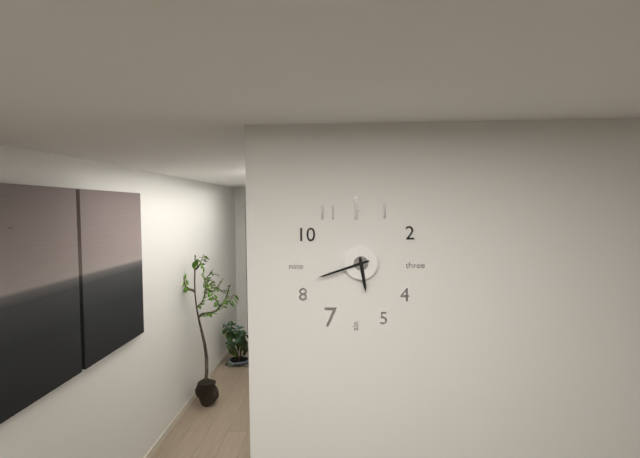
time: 5:42
